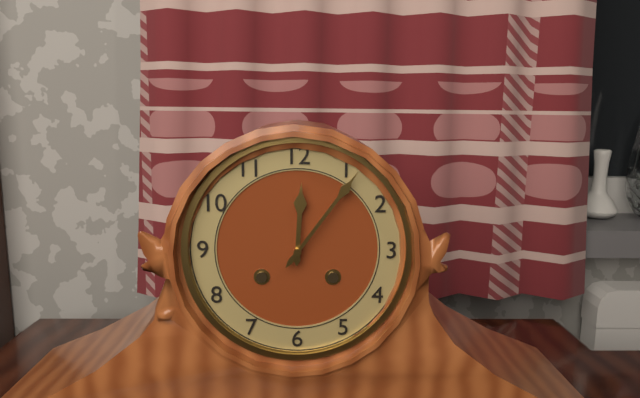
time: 12:06
